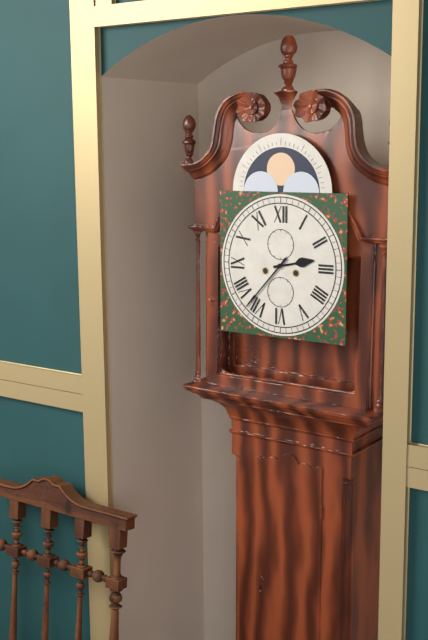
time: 2:37
